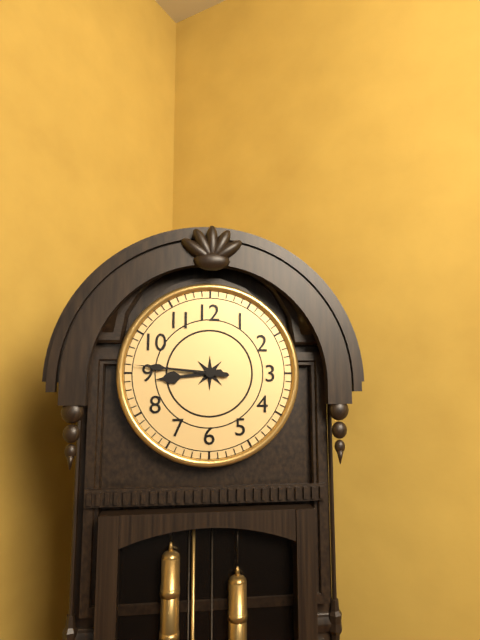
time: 8:46
